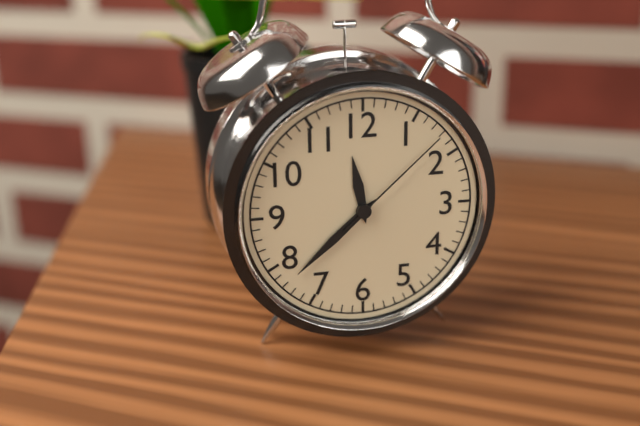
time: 11:38:08
